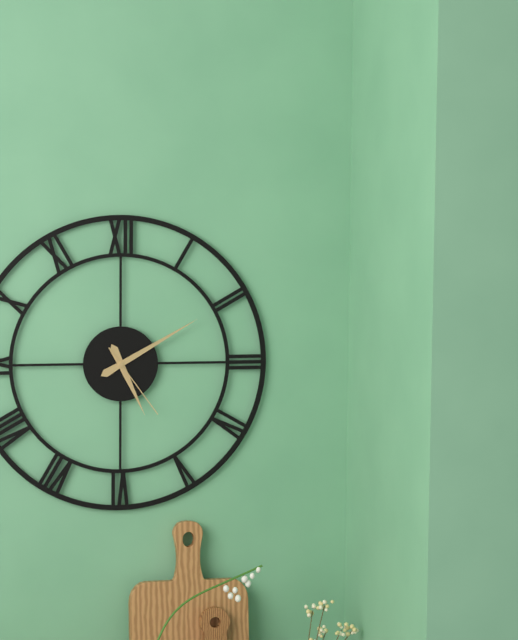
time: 5:10:24
